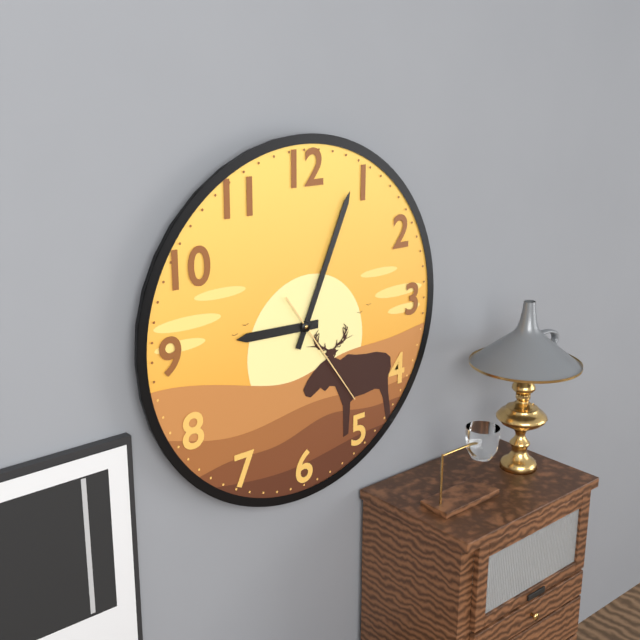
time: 9:04:24
